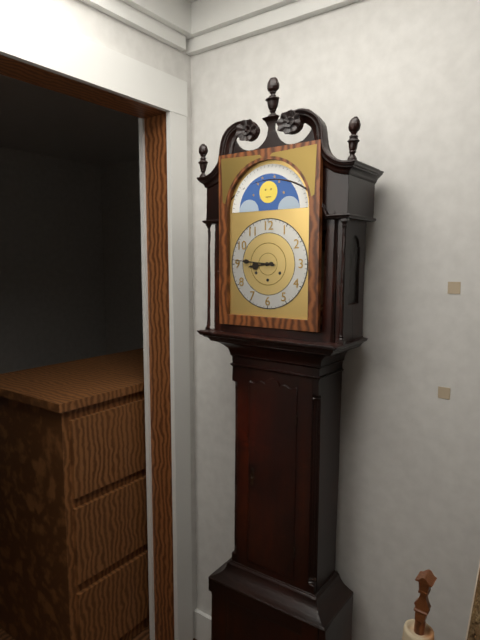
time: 8:46
